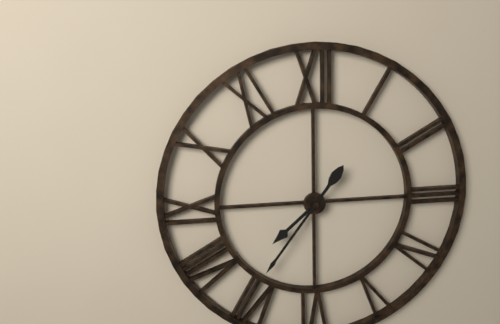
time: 7:36
